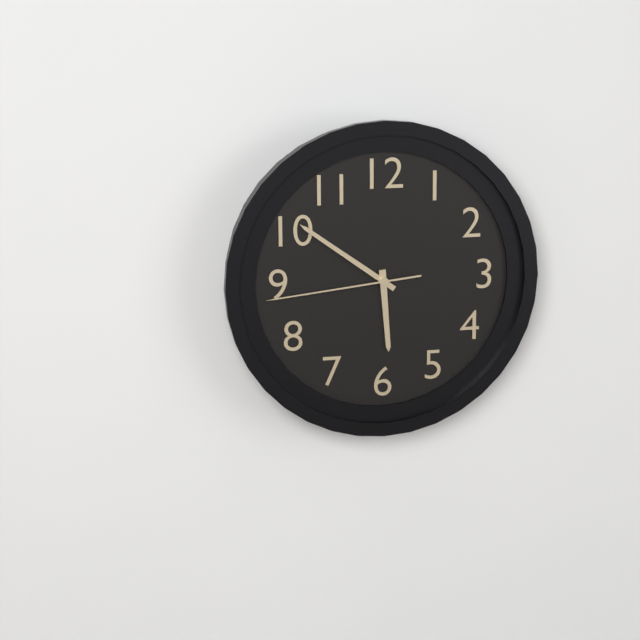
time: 5:51:44
